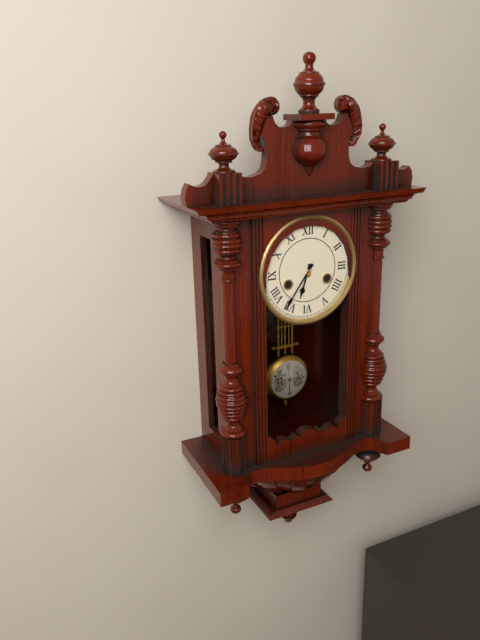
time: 6:36
